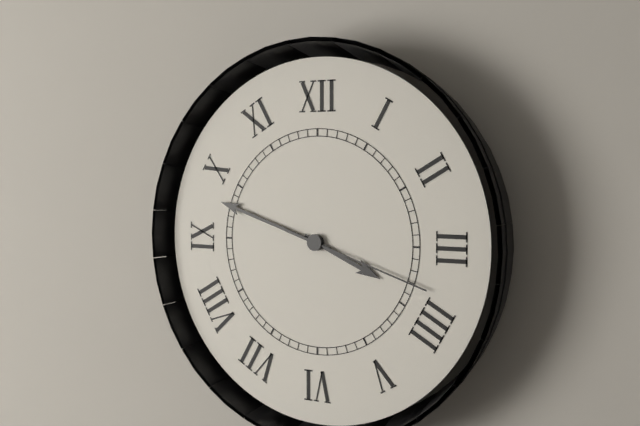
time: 3:48:18
